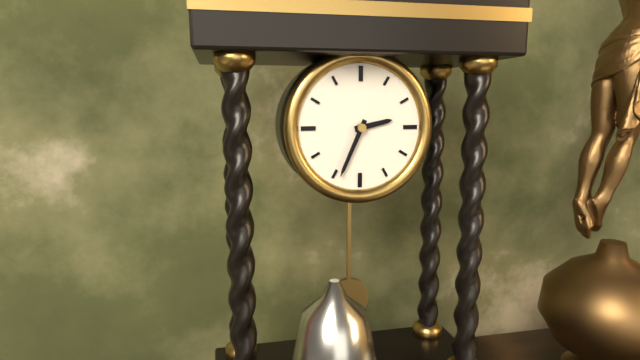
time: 2:34
